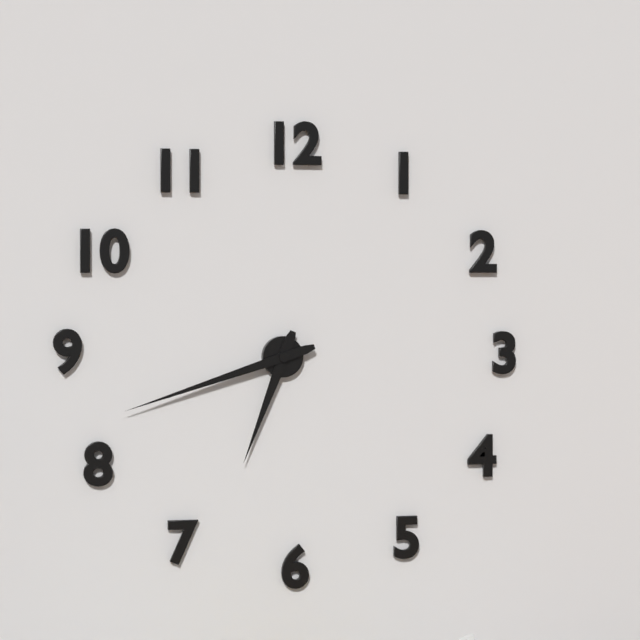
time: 6:42
